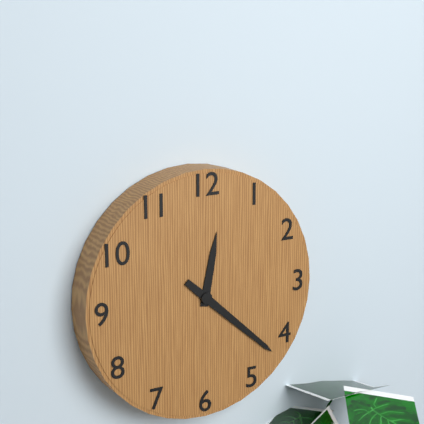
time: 12:22
